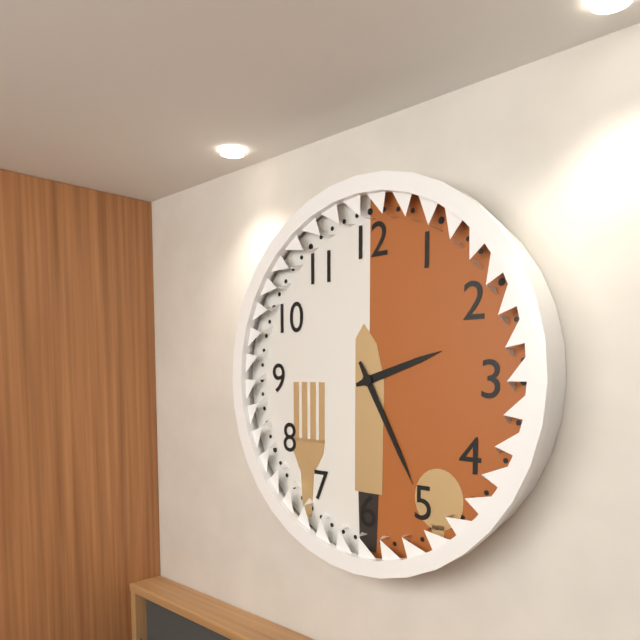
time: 2:25
